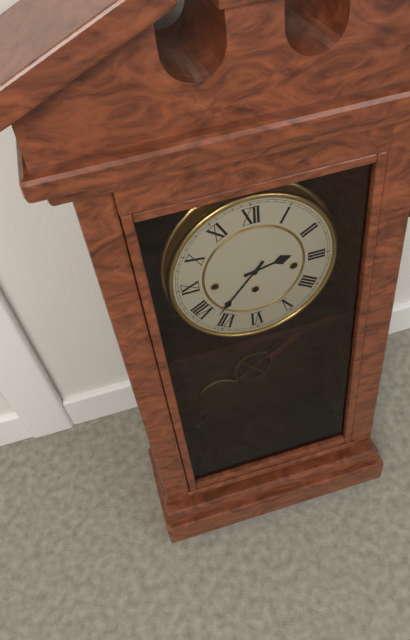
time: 2:37
